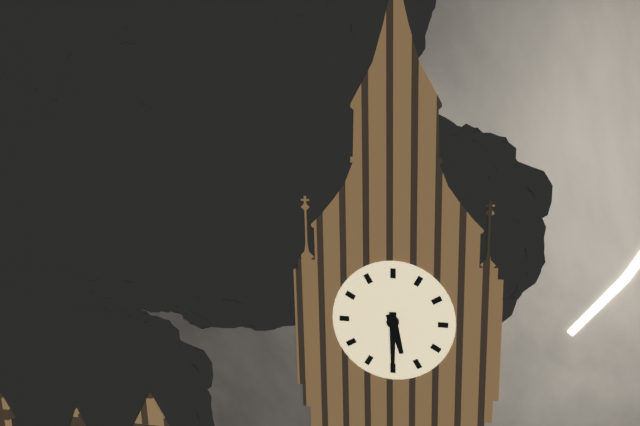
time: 5:30
